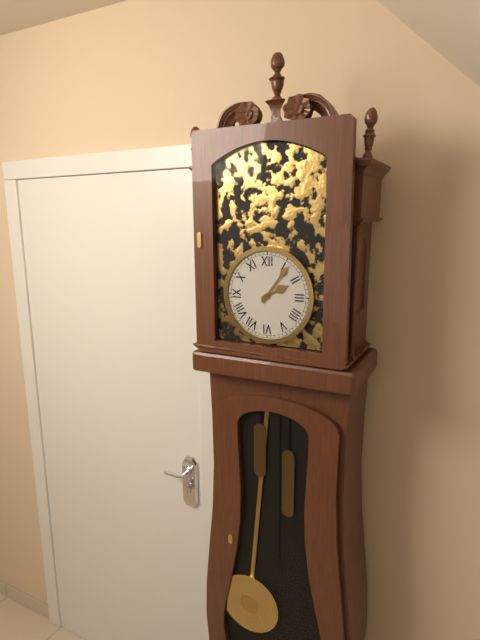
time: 2:06
